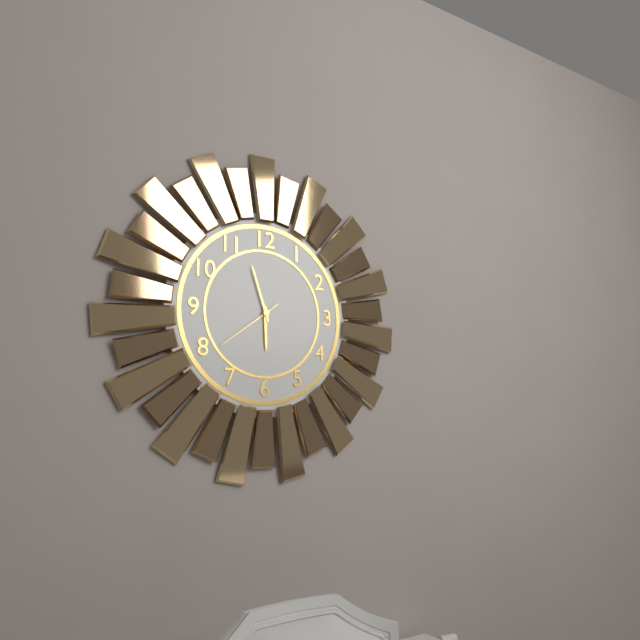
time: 5:57:39
